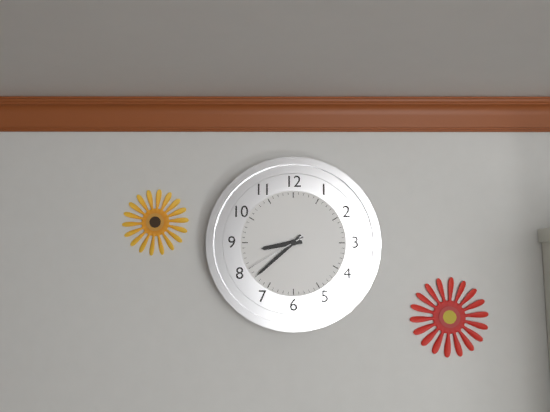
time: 8:38:40
